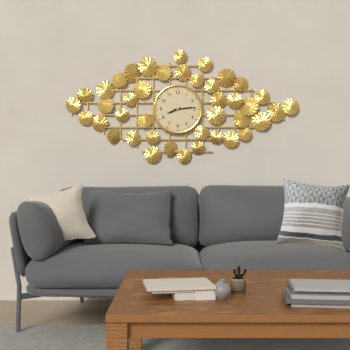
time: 8:14
